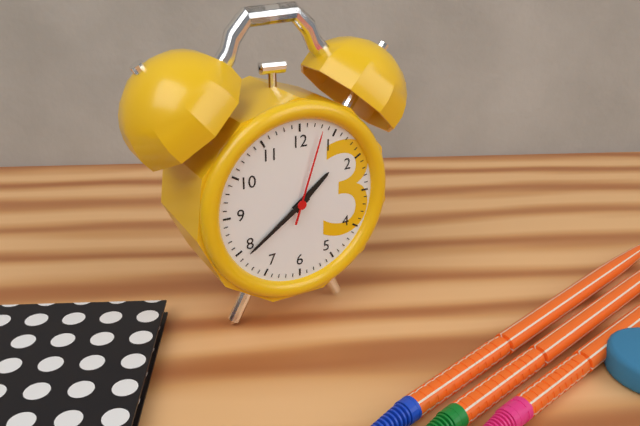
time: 1:39:03
